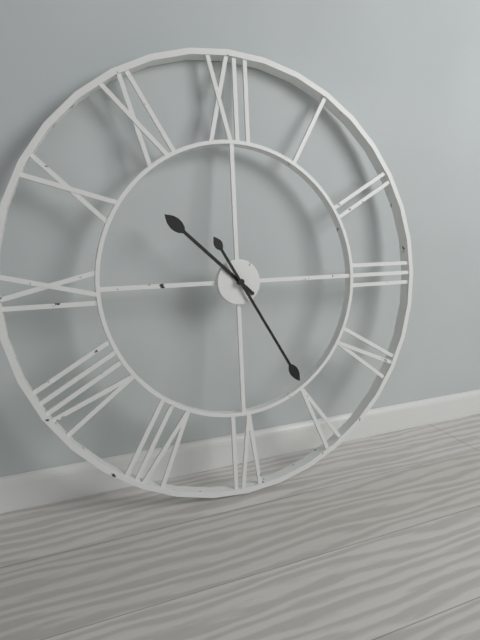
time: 10:25
